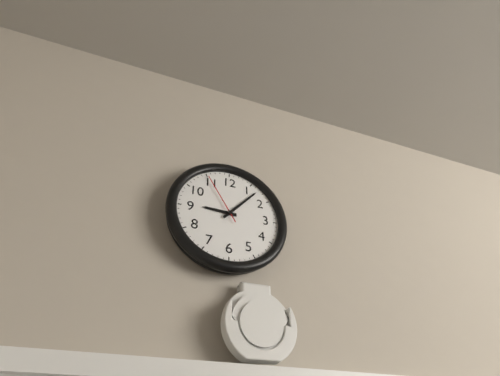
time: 9:07:55
